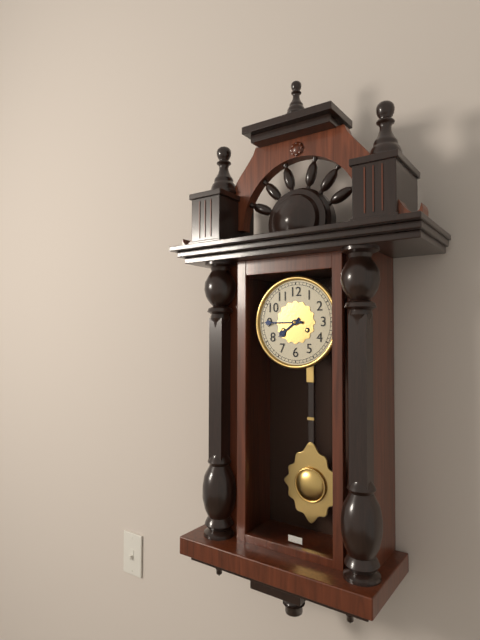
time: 7:45
